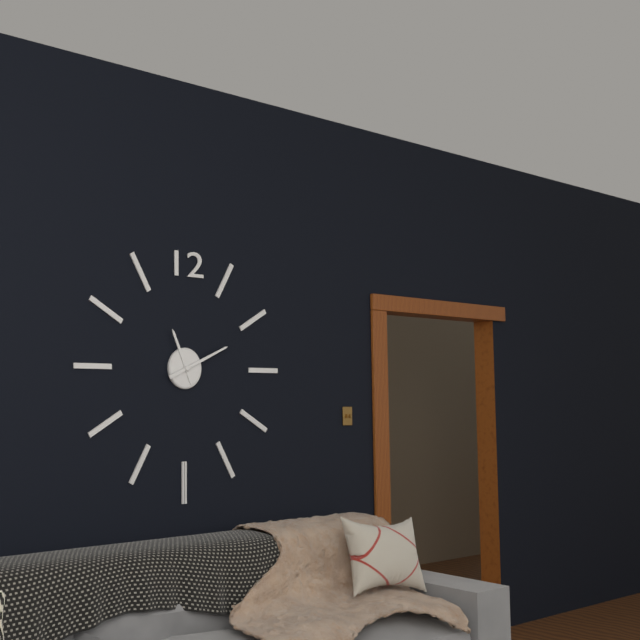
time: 11:11
